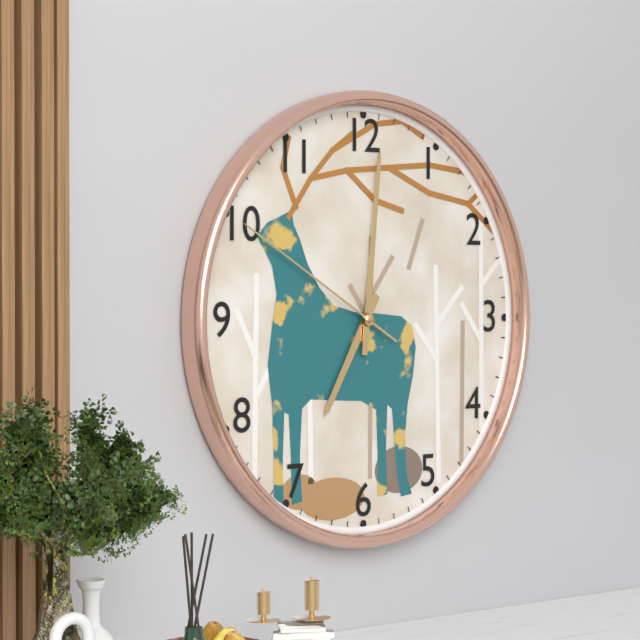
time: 7:01:50
